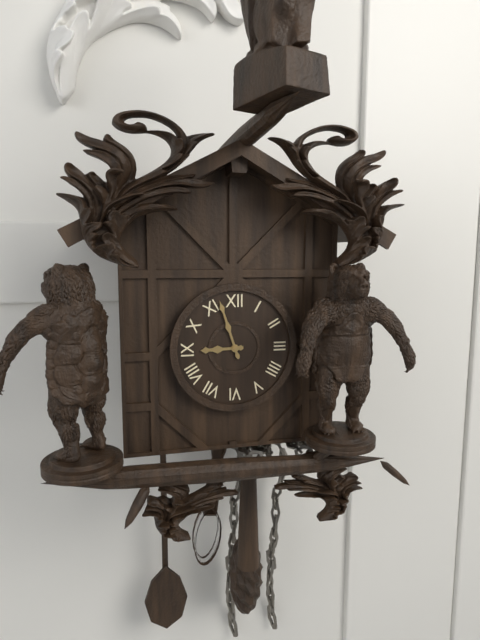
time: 8:57
